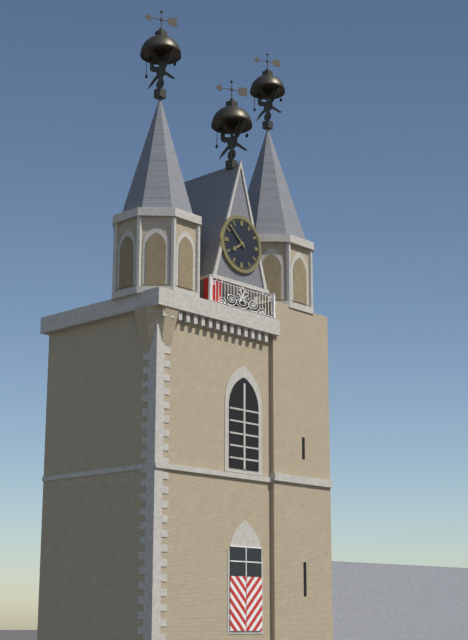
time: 7:52
